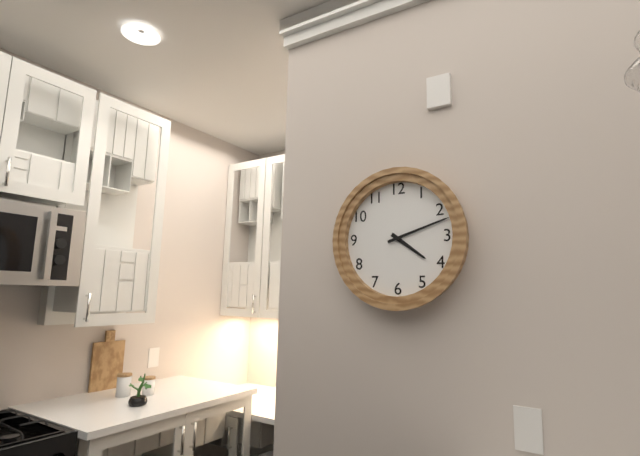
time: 4:12
